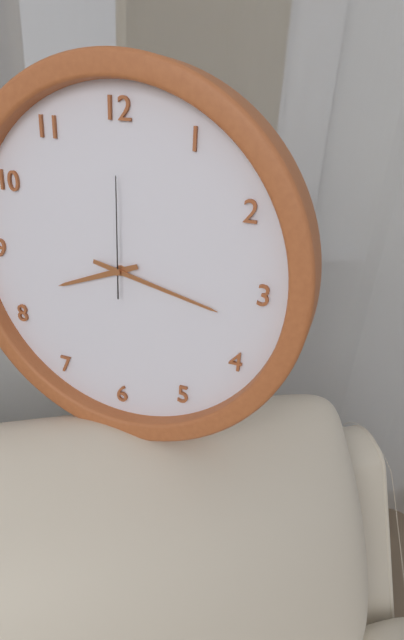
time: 8:17:00
